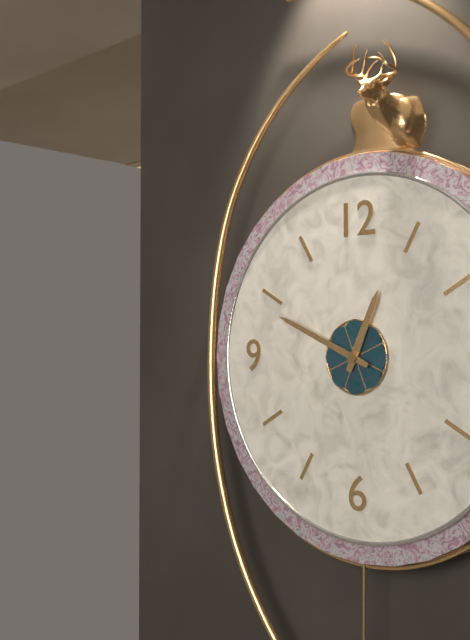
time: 12:49
